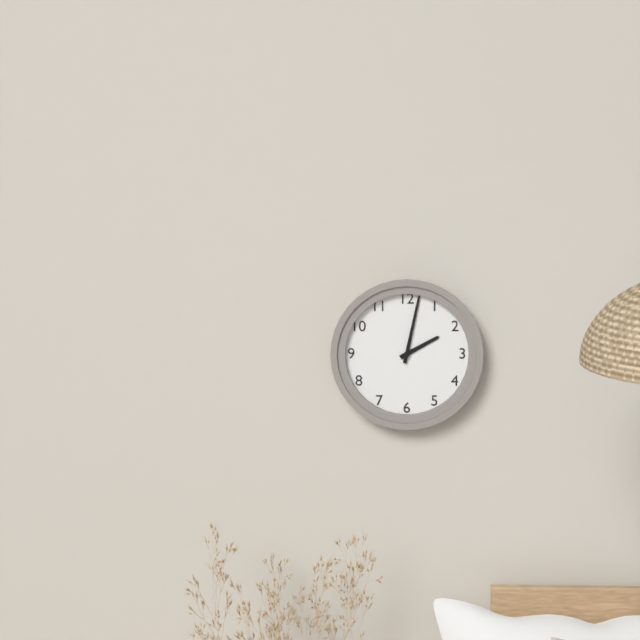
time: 2:02
